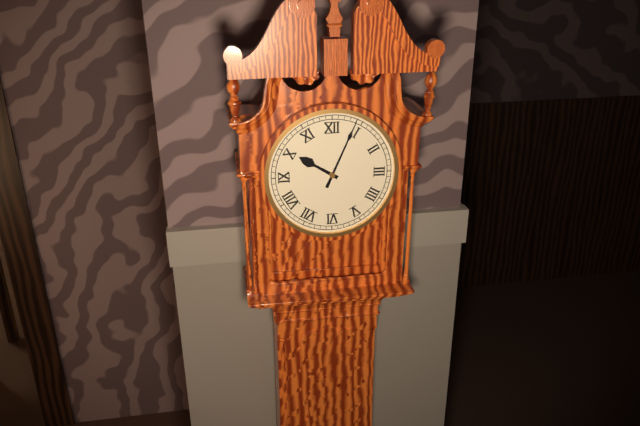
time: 10:04
